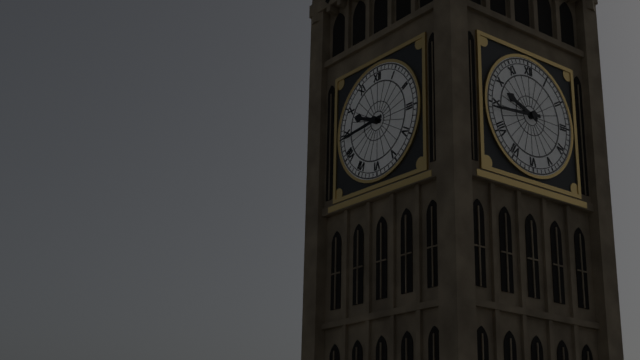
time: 9:44
